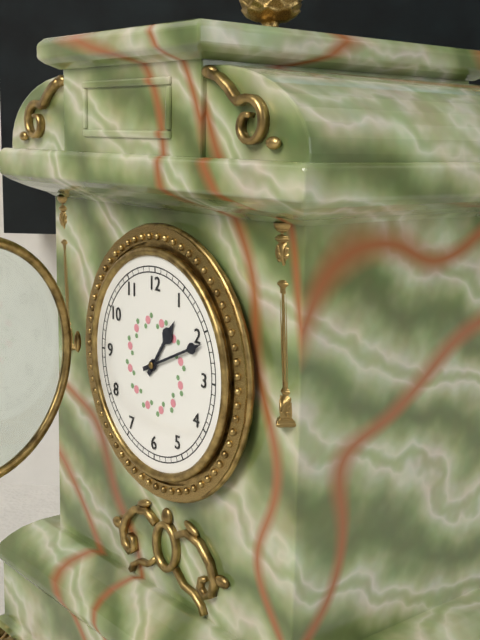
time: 1:11
